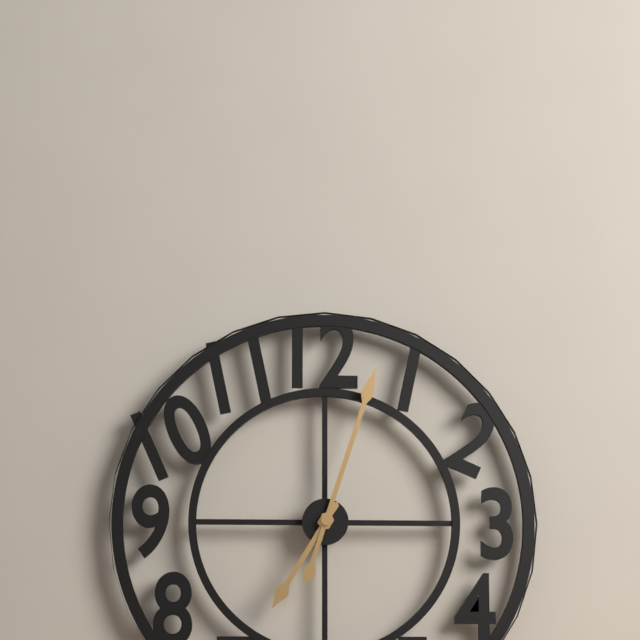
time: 7:03
